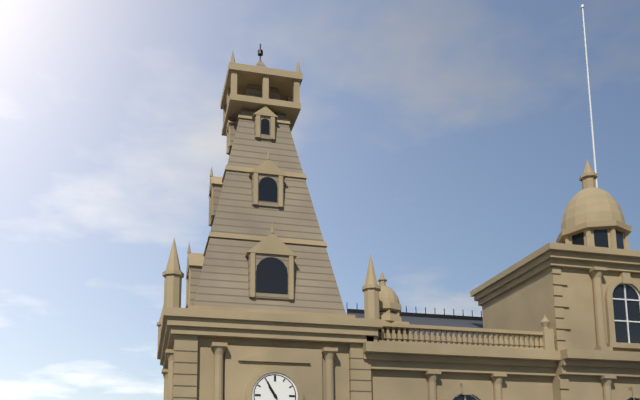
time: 10:55
